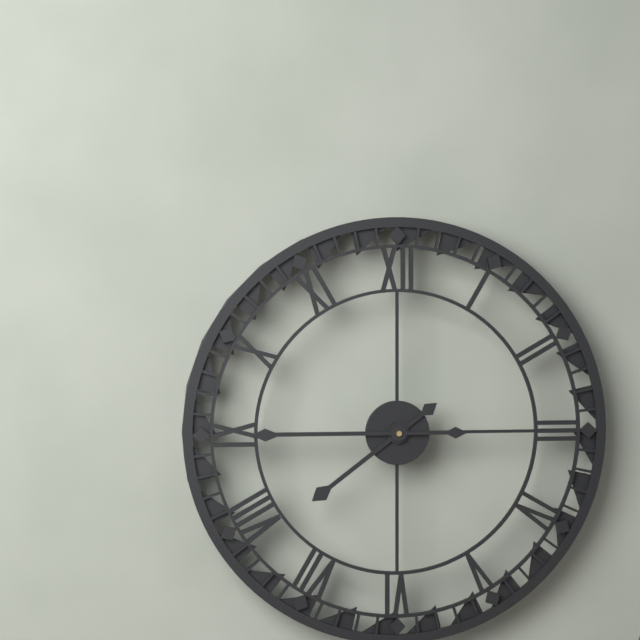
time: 7:45
